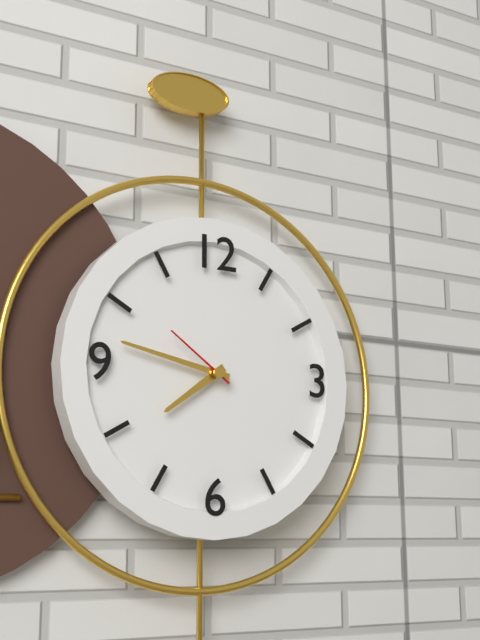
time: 7:47:51
